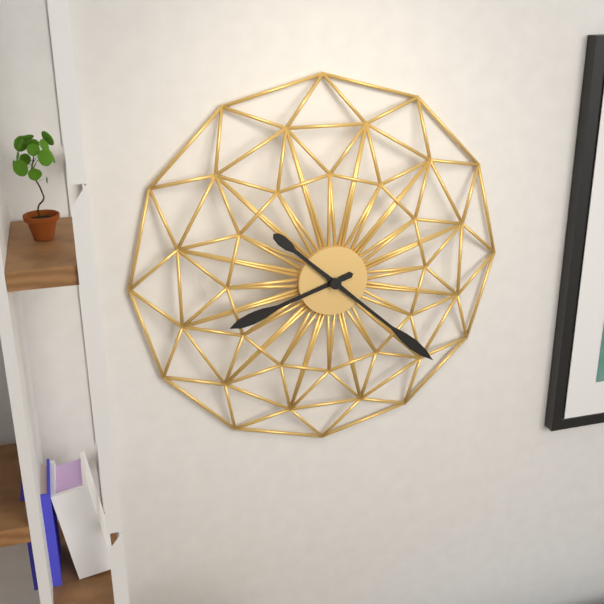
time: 8:22
